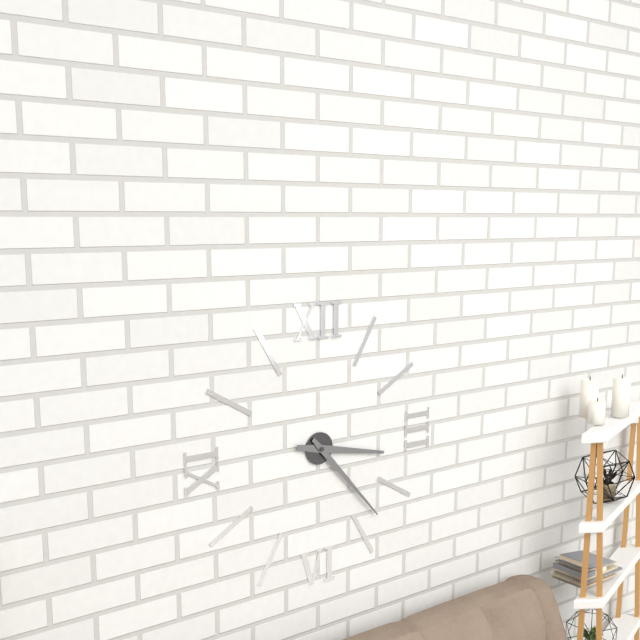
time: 3:23
